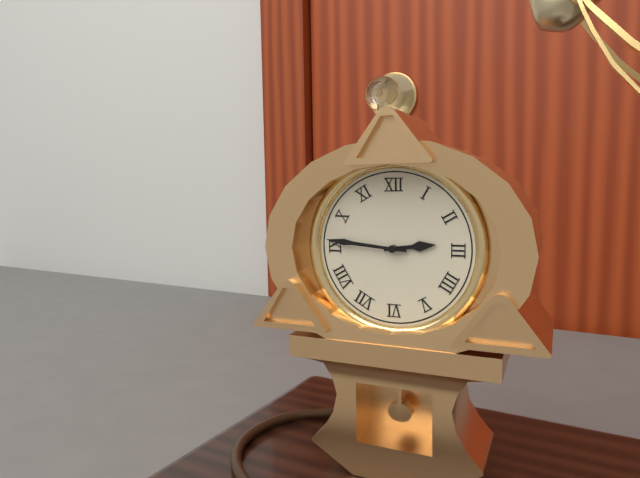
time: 2:46
